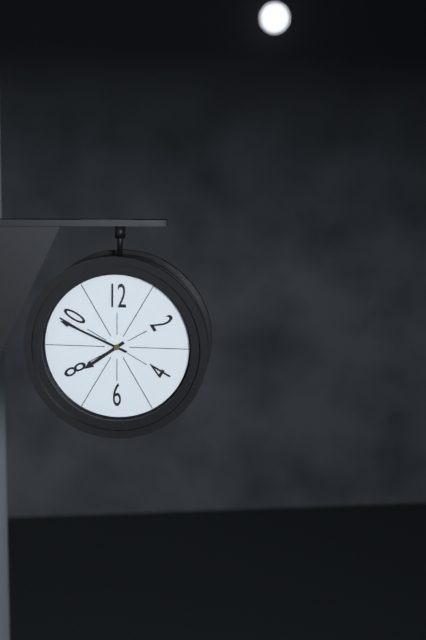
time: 7:49
